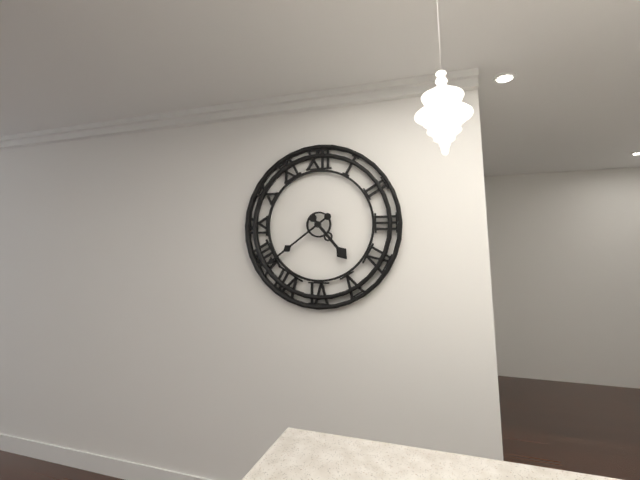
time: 4:39
